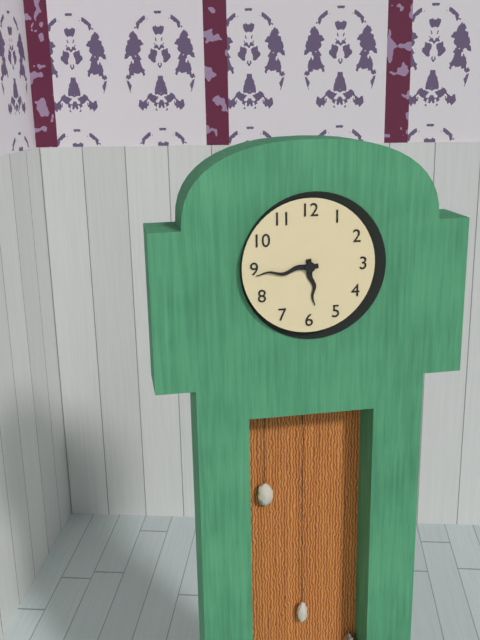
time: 5:44
